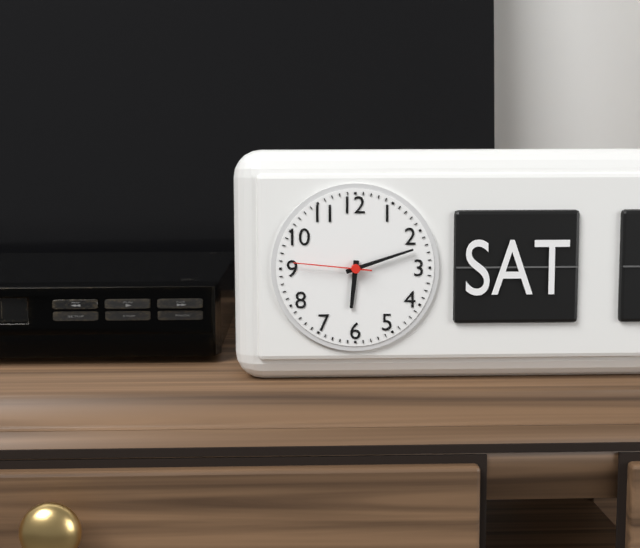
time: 6:12:46
